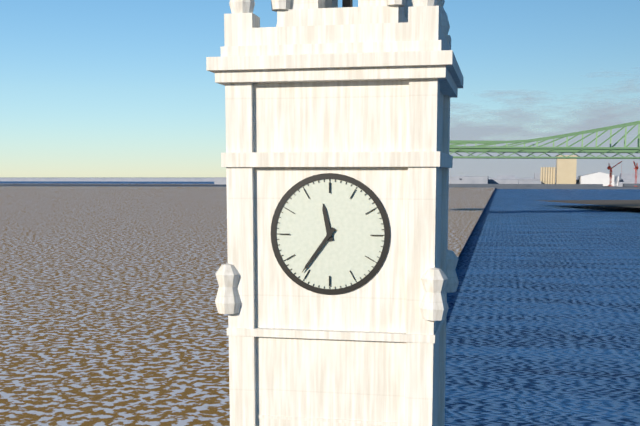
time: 11:36
